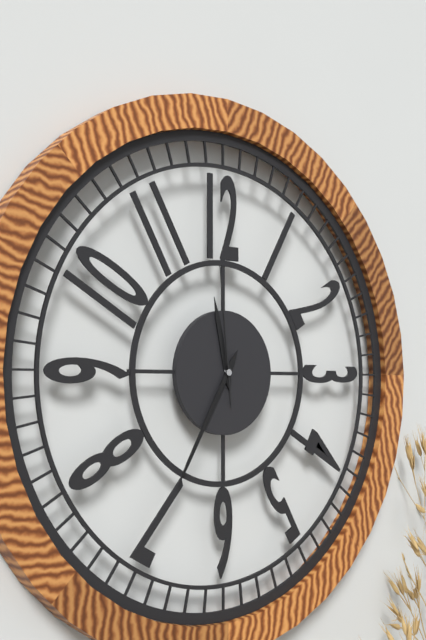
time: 11:35:59
